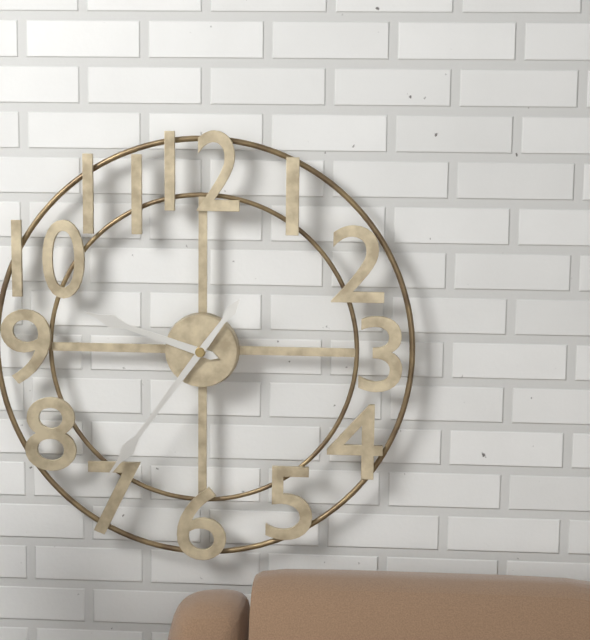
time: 9:36
